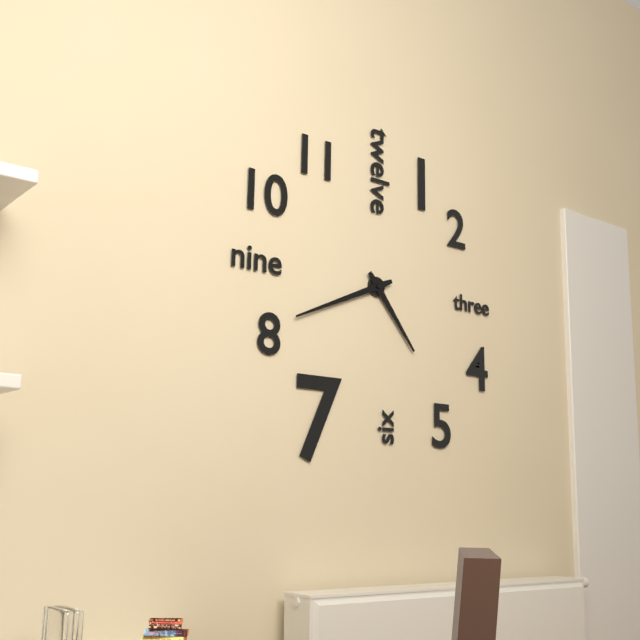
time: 4:41
